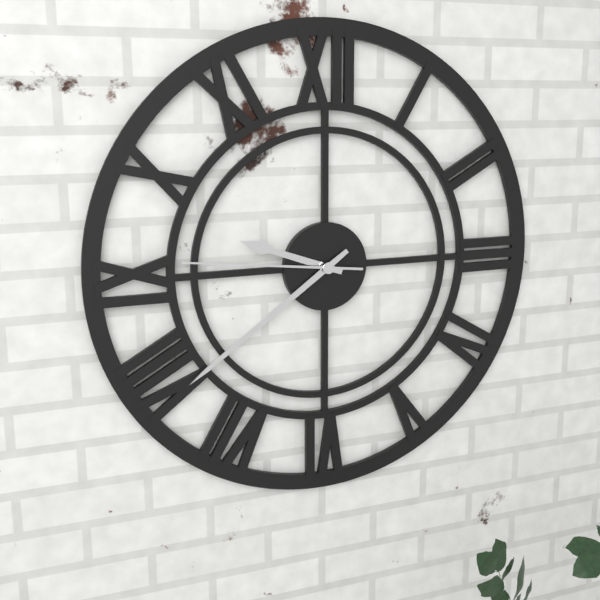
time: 9:39:46
